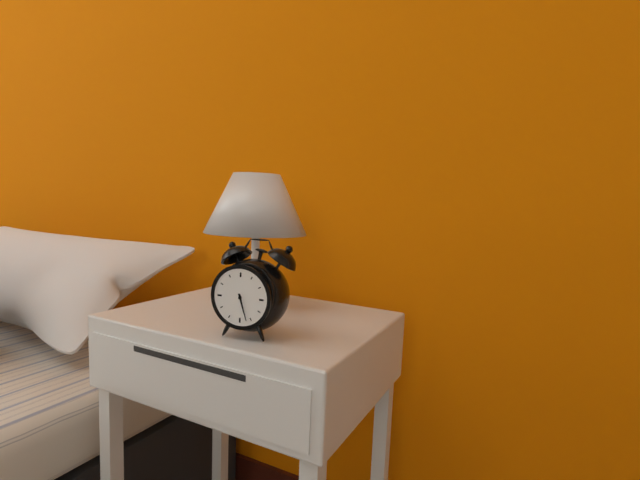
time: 5:27
